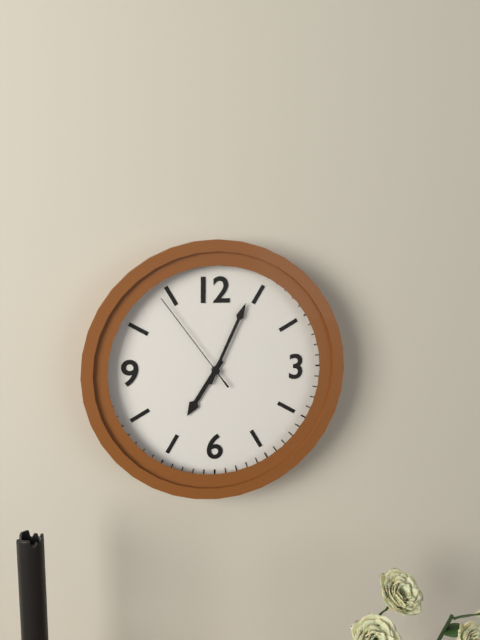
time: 7:04:54
